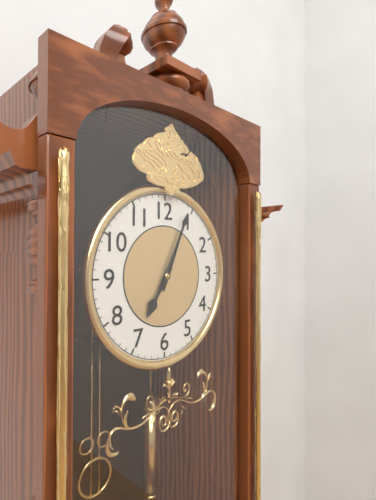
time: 7:04
